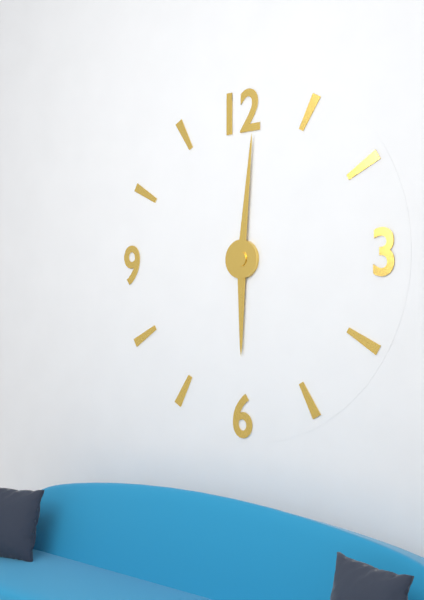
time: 6:01
